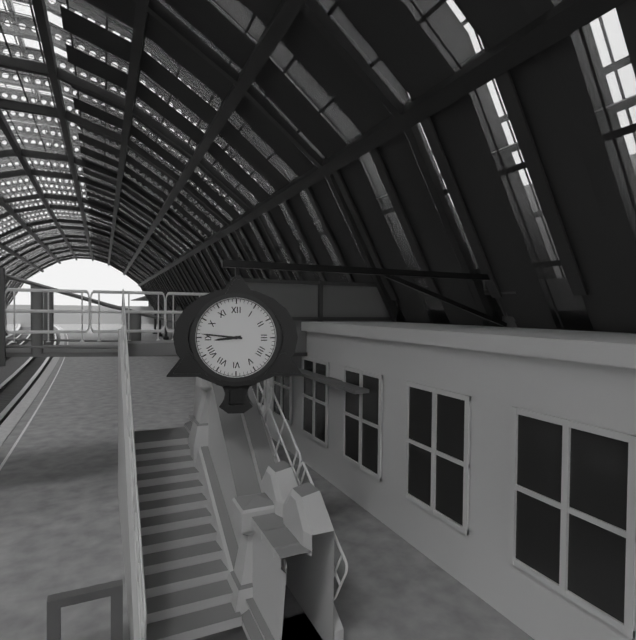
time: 8:46
